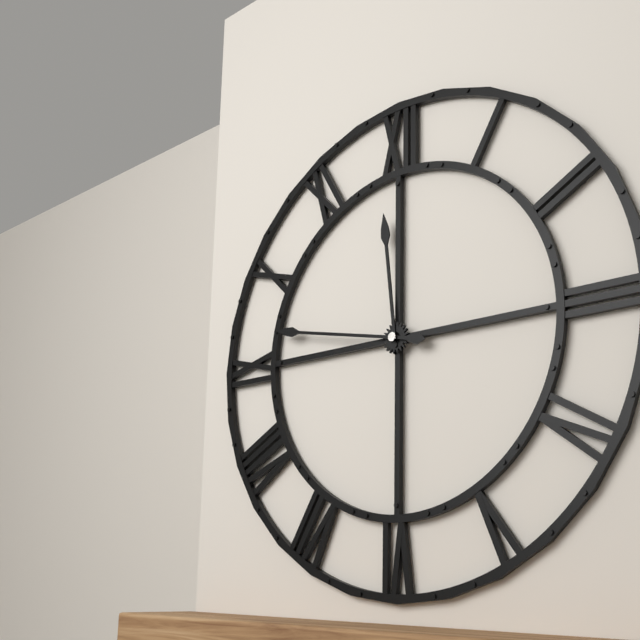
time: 11:47
